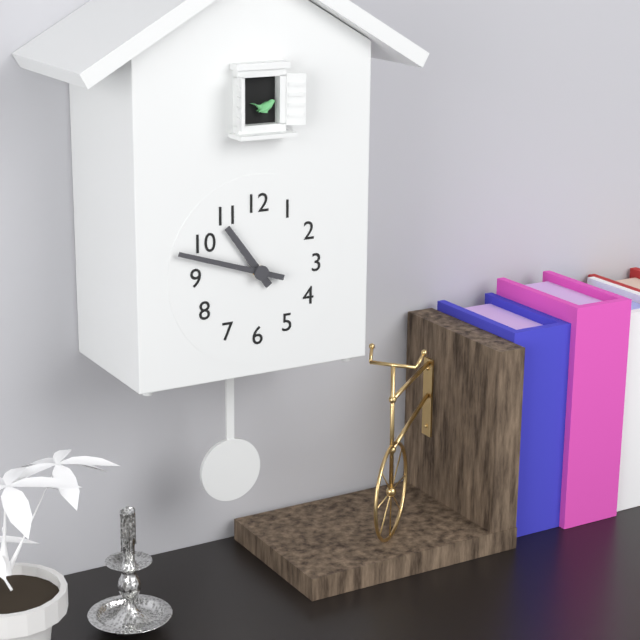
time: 10:48
